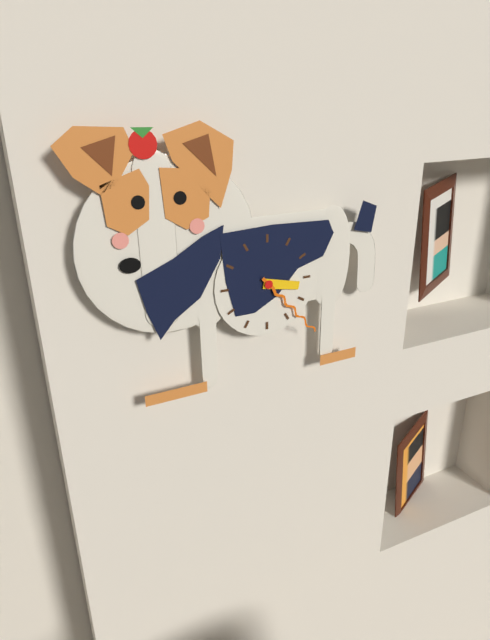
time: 3:23
